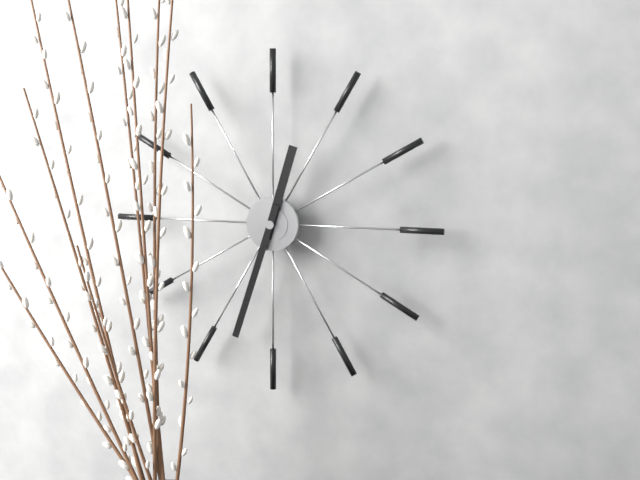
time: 12:33
